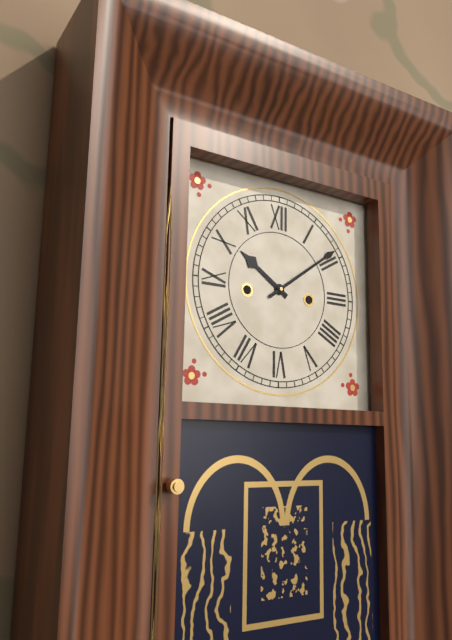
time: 10:09
